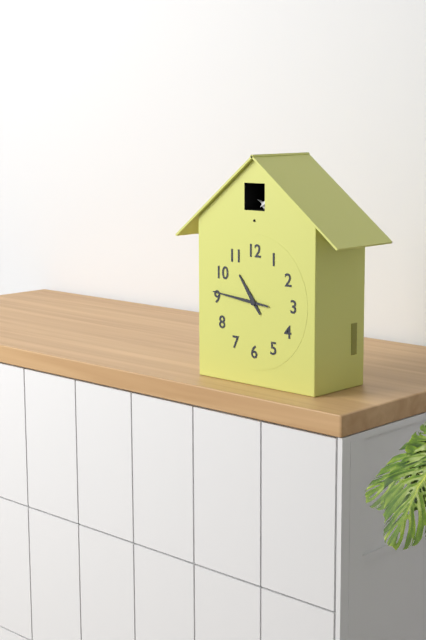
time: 10:46
